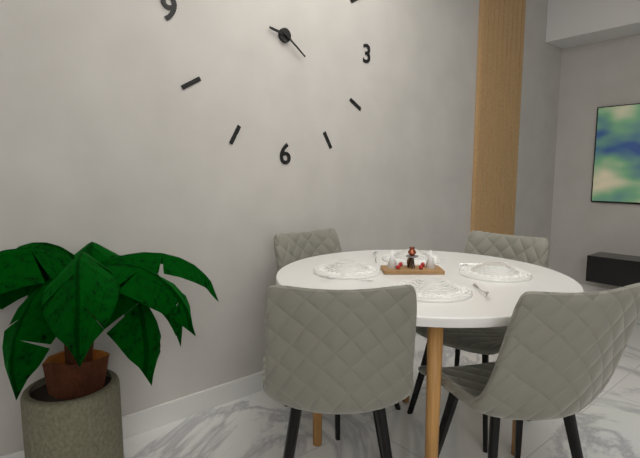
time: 9:21
